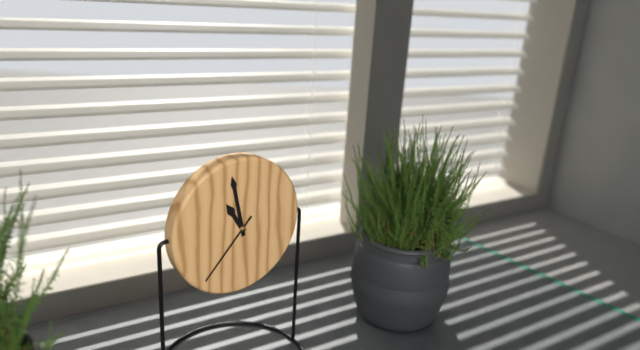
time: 10:58:37
